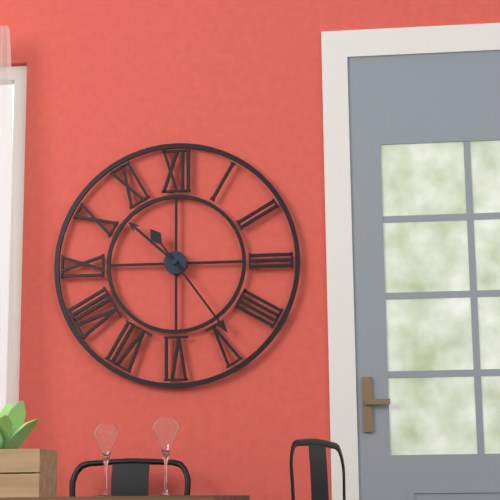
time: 10:24
